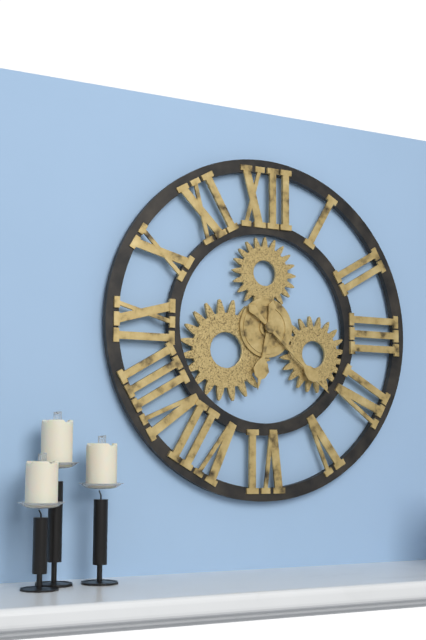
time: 6:22
